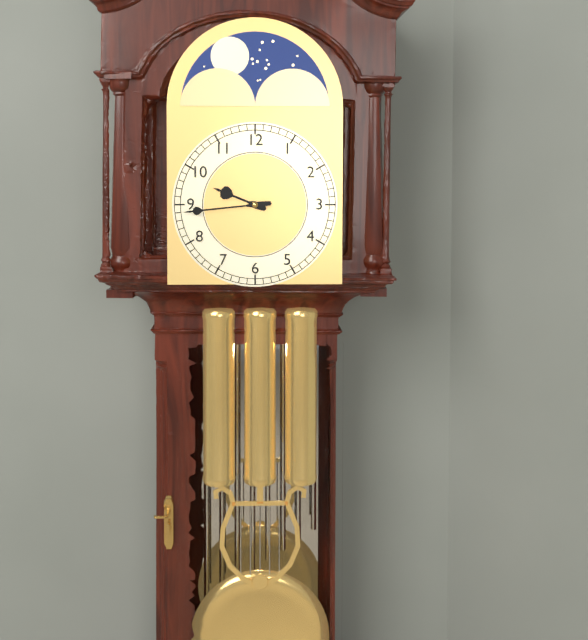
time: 9:44
